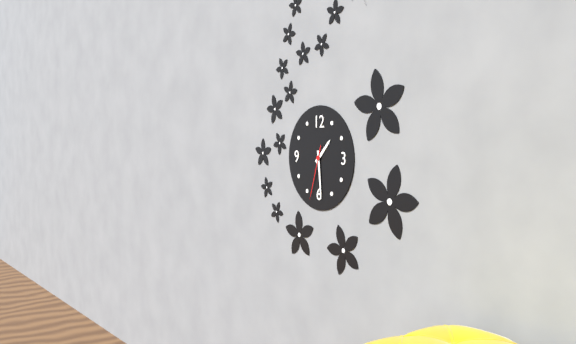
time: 1:29:33
